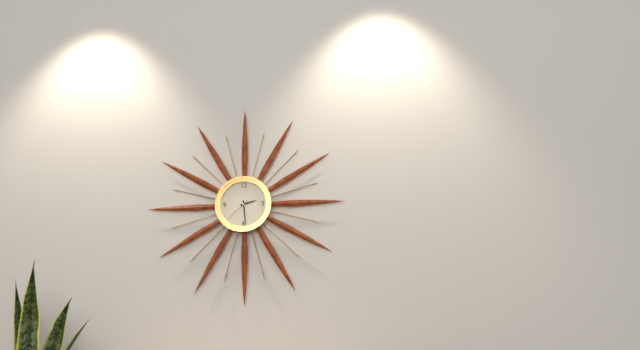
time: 2:29
